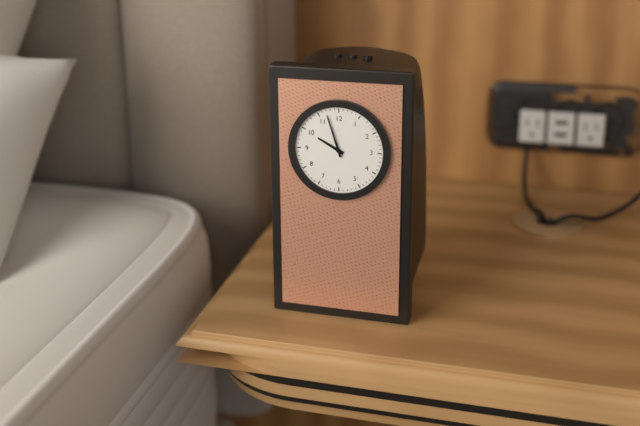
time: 9:57
